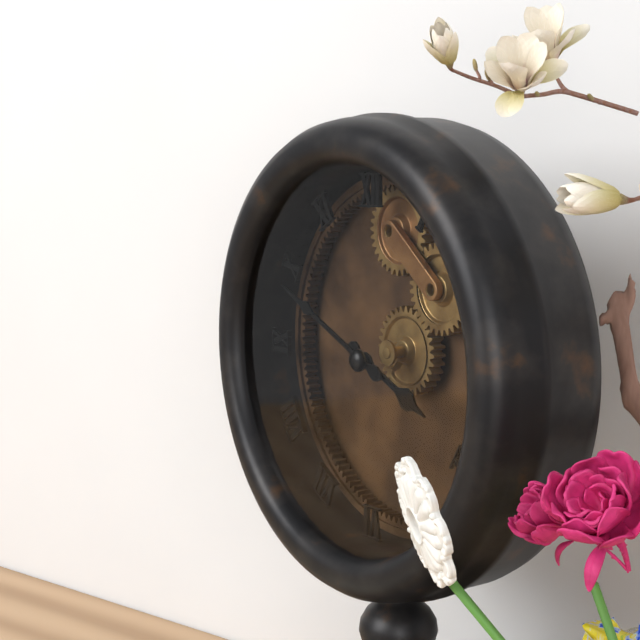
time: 3:49
